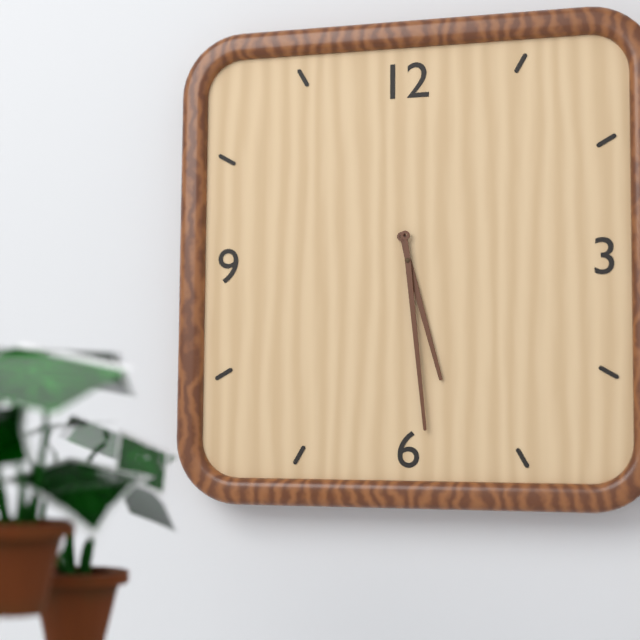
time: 5:29
